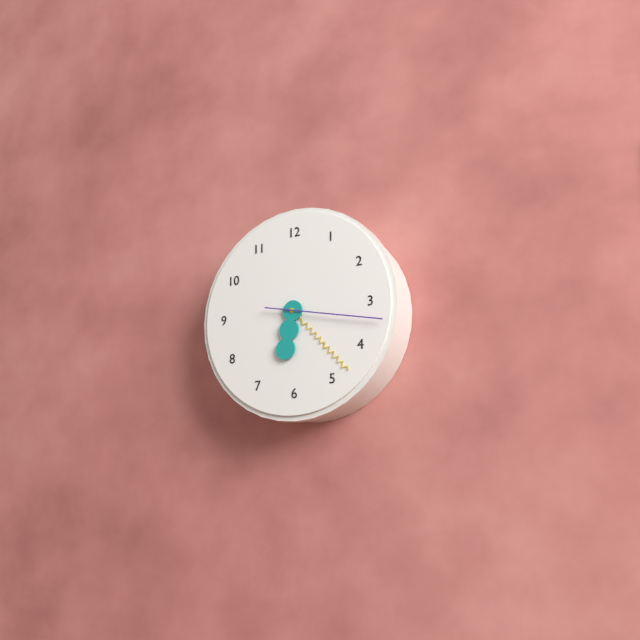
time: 6:23:17
